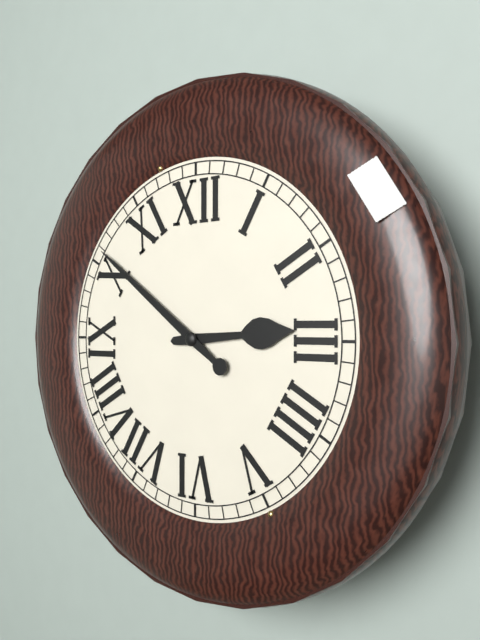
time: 2:51
